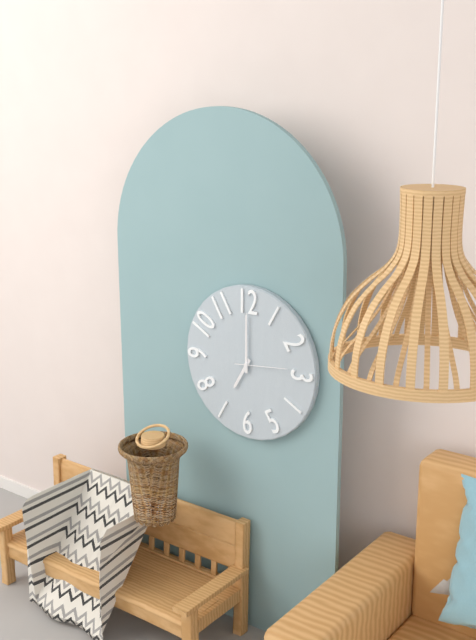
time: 7:00:14
